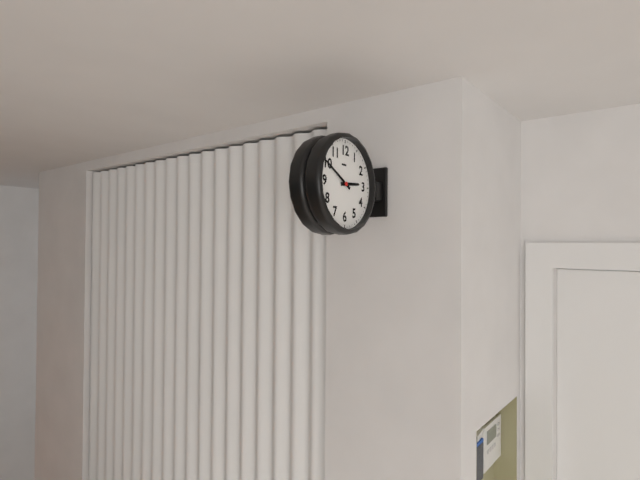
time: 2:50
